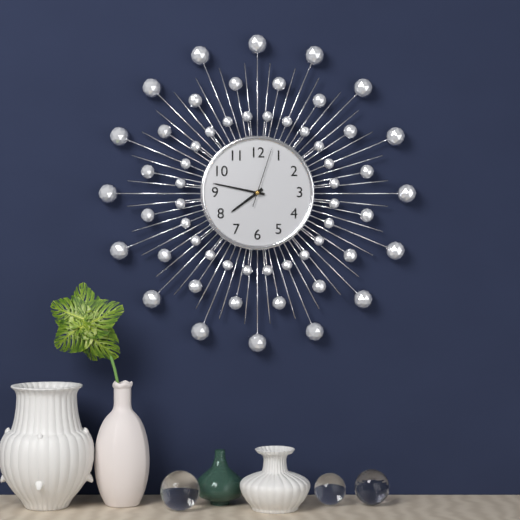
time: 7:47:03
